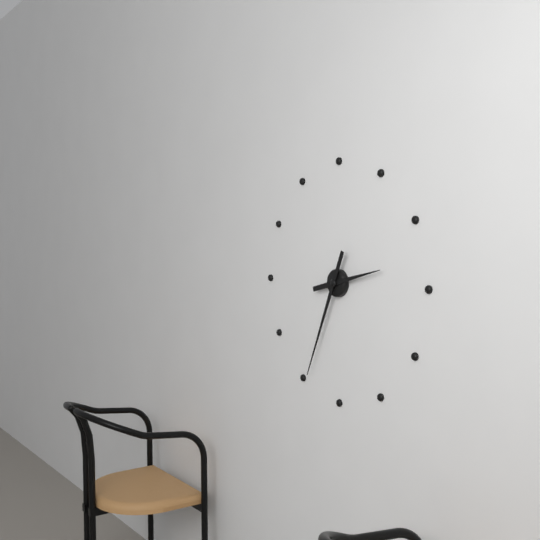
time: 2:34
